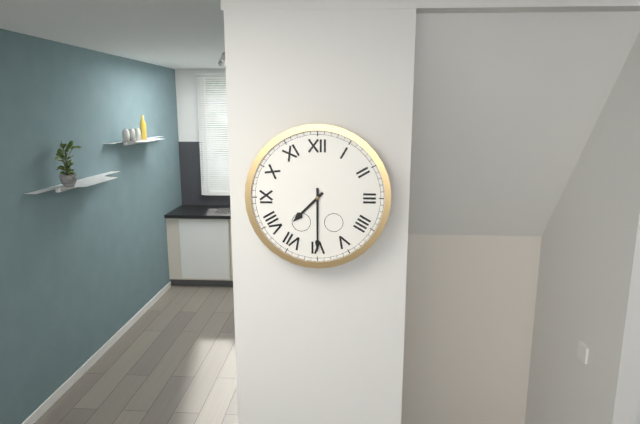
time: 7:30
